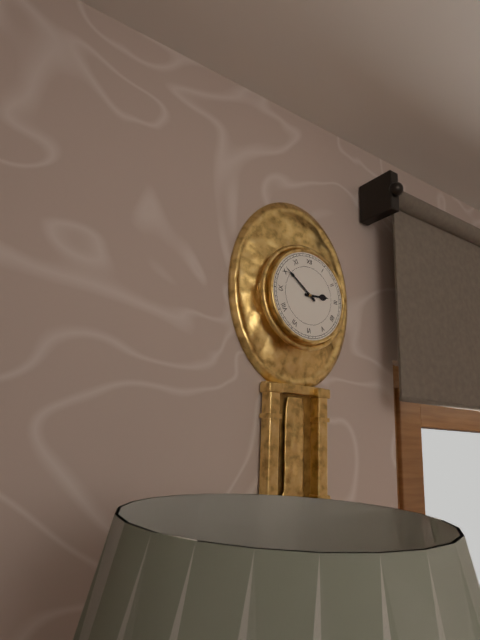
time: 2:51
